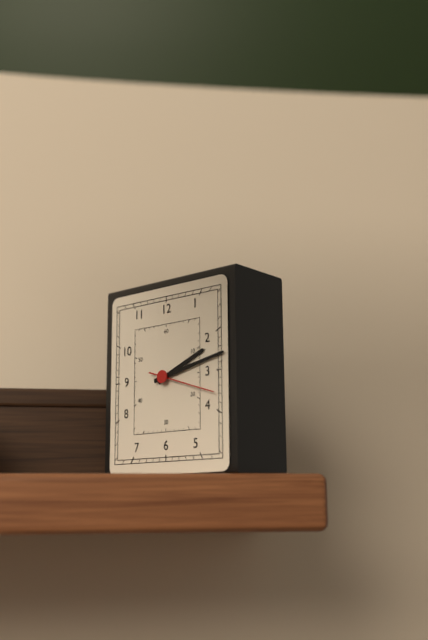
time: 2:13:18
